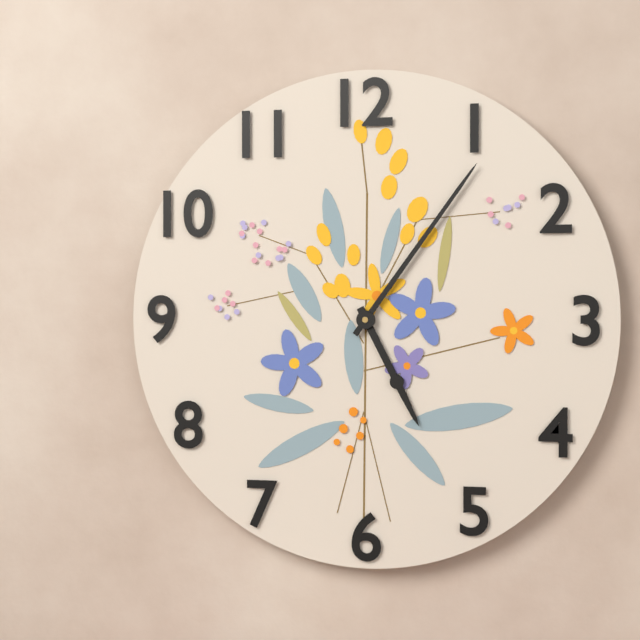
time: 5:06
